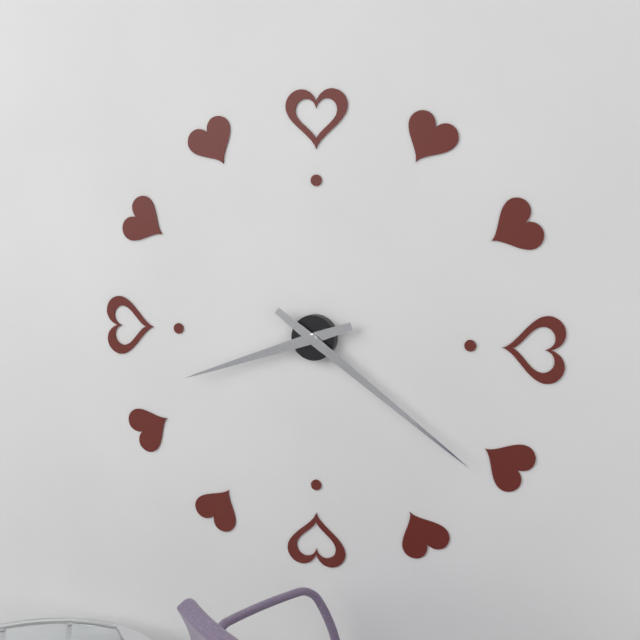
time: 8:21
